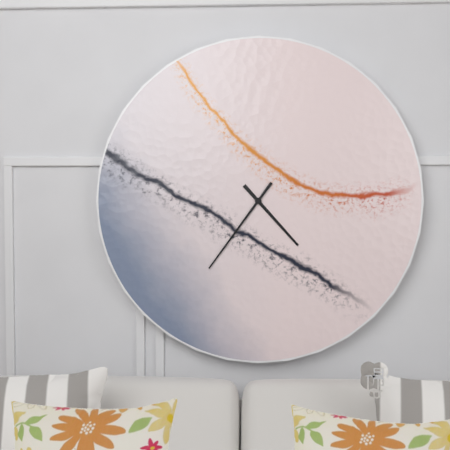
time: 4:36
